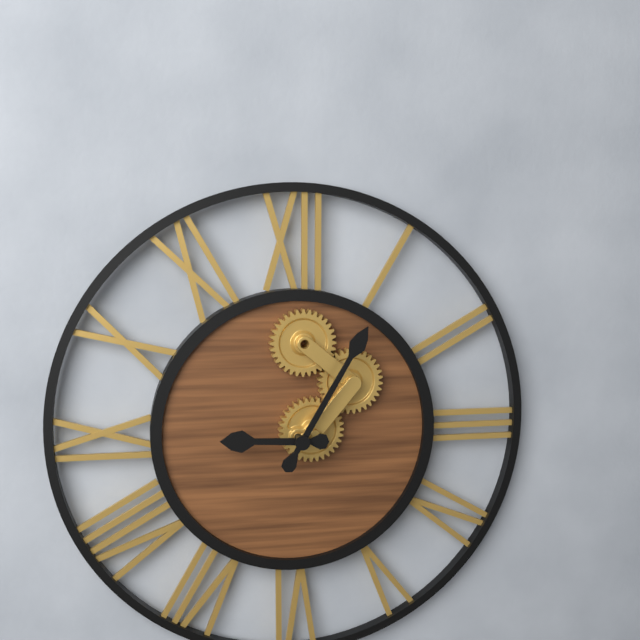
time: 9:05
